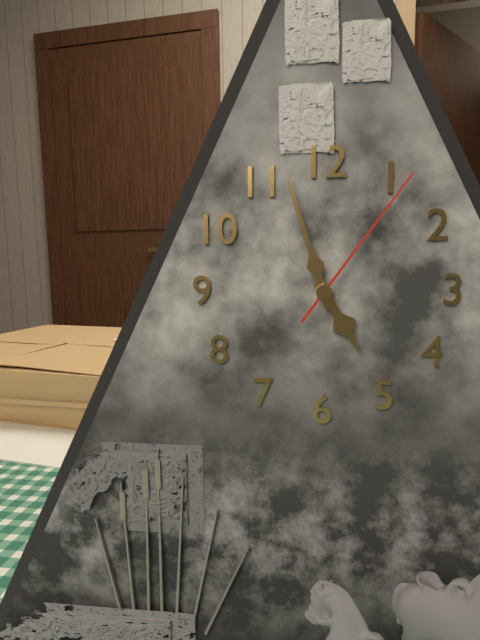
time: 4:57:06
